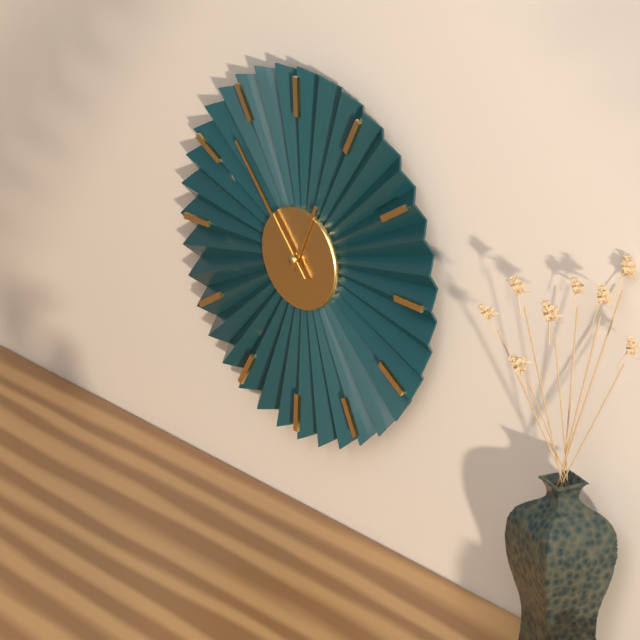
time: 12:53
